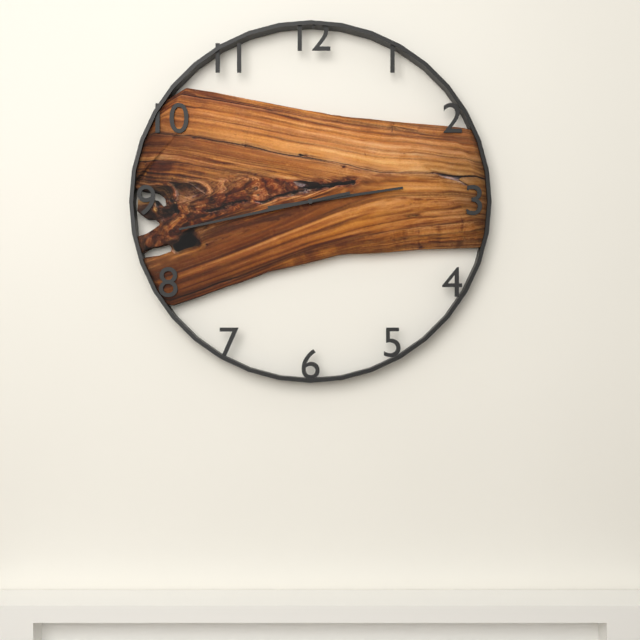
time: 2:43
